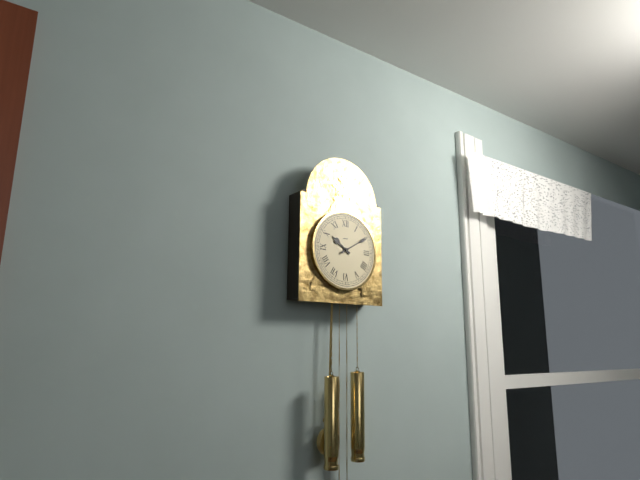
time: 10:10
